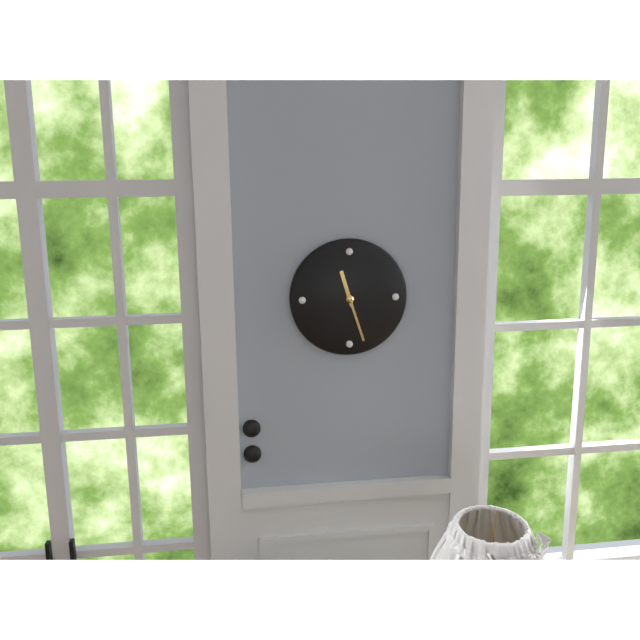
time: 11:27
